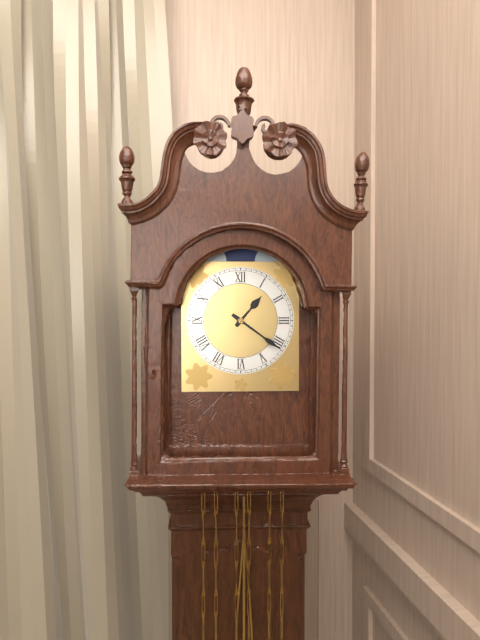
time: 1:21
